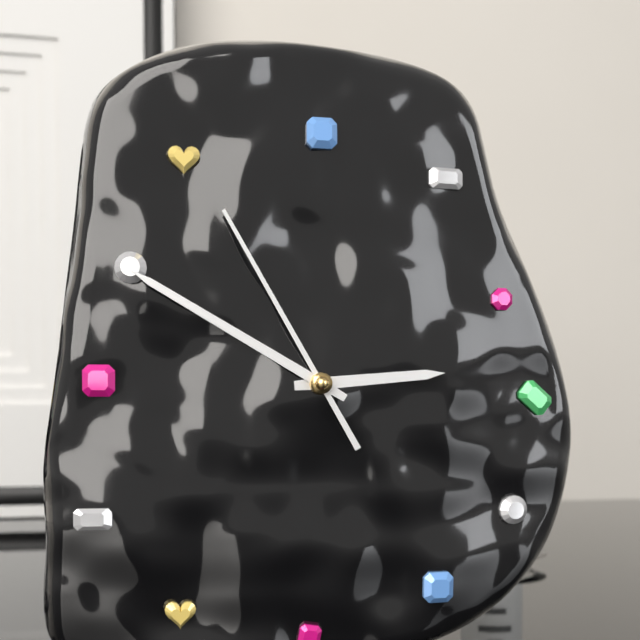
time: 2:50:55
